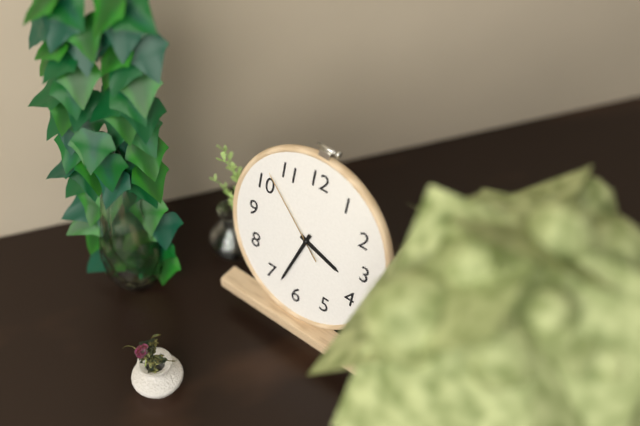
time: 3:33:52
